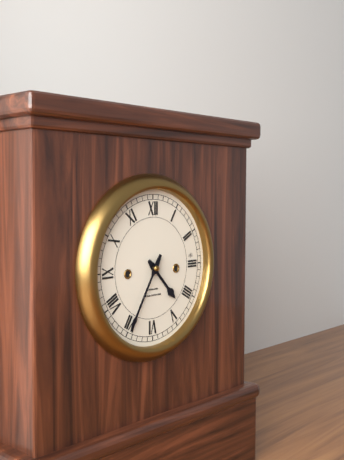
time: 4:35
